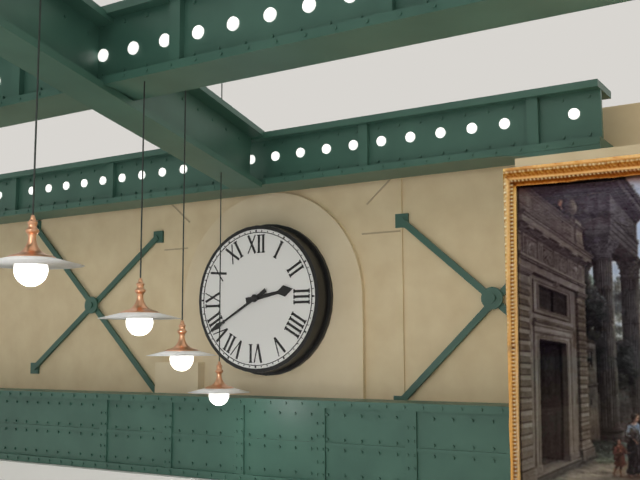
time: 2:40
